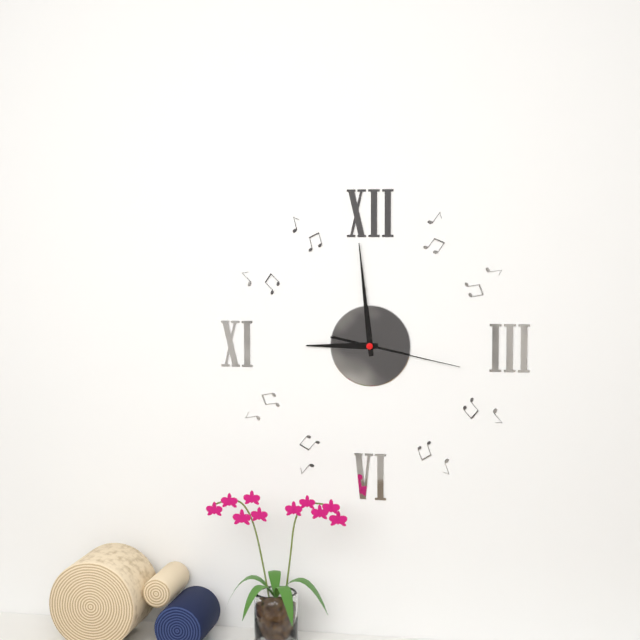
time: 8:59:17
